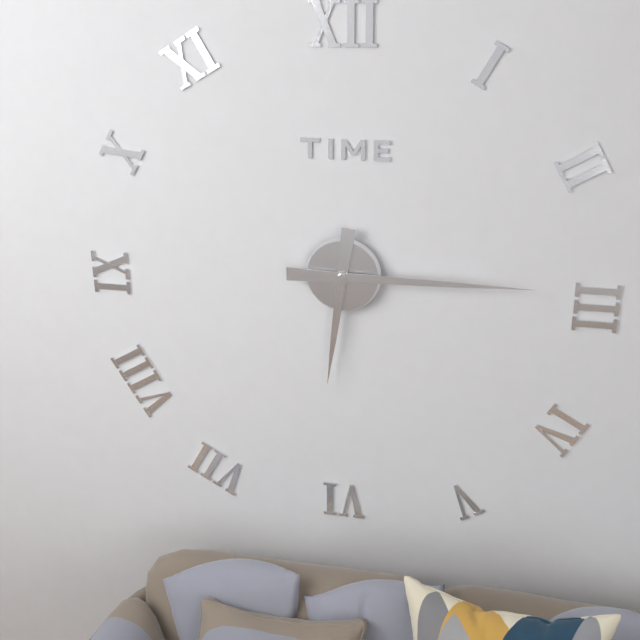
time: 6:15
